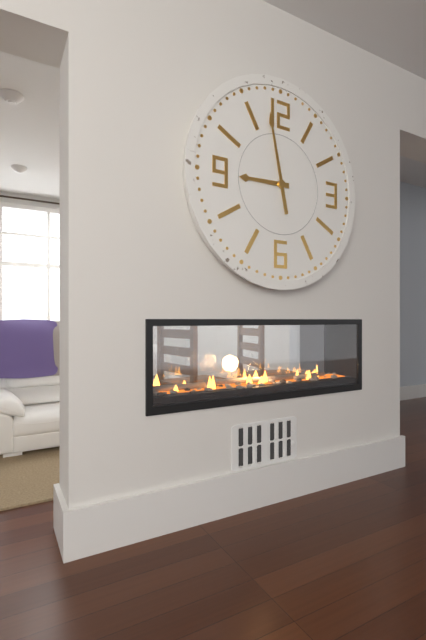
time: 8:58
